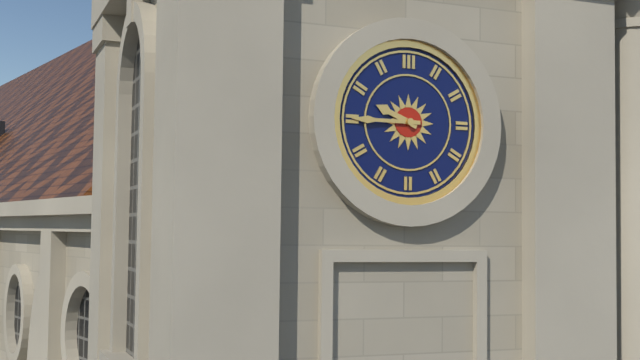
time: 9:45
